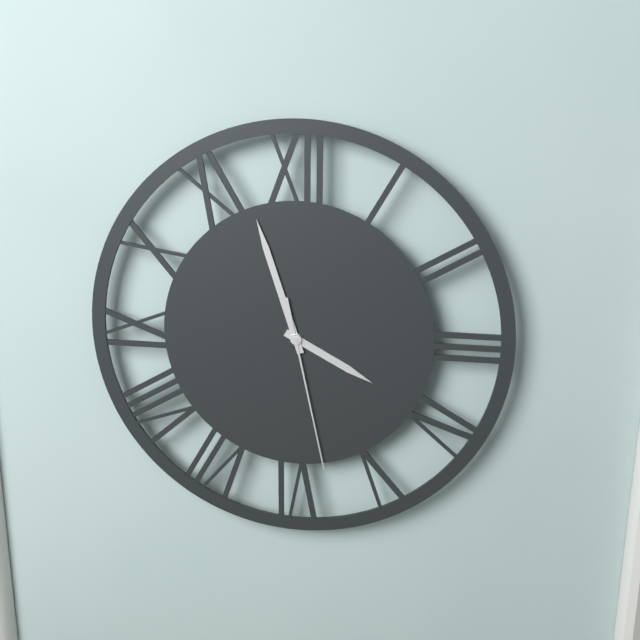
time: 3:57:28
